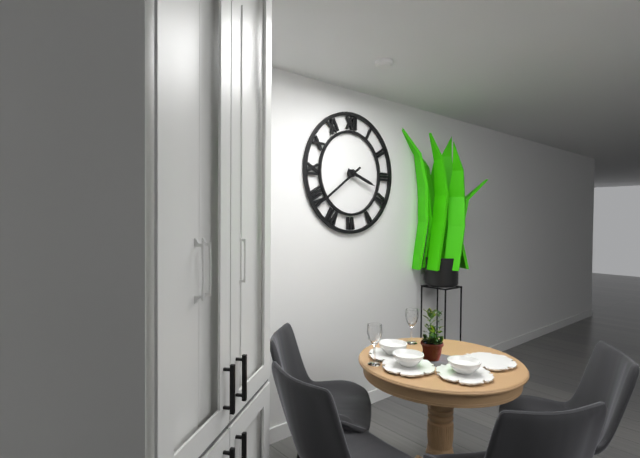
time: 3:39
